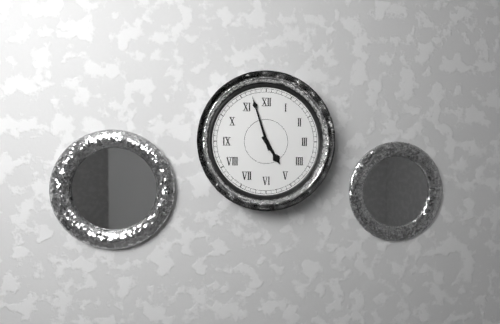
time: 4:57
